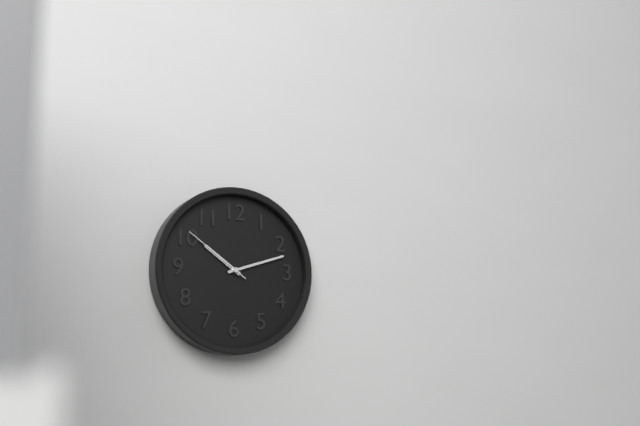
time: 10:12:51
